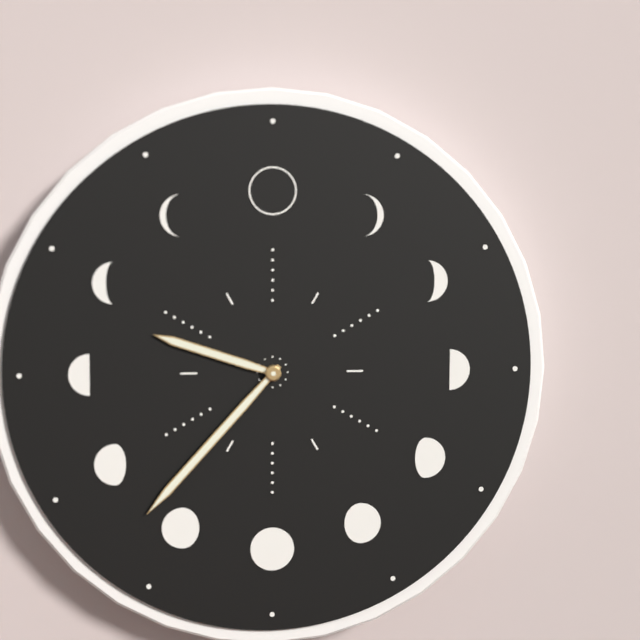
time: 9:37
